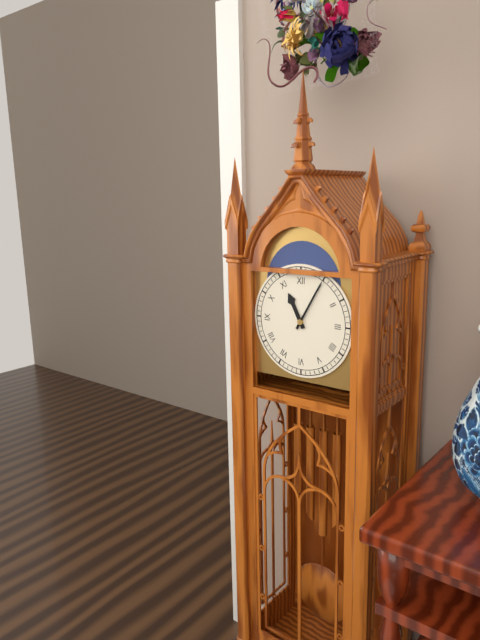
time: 11:05
